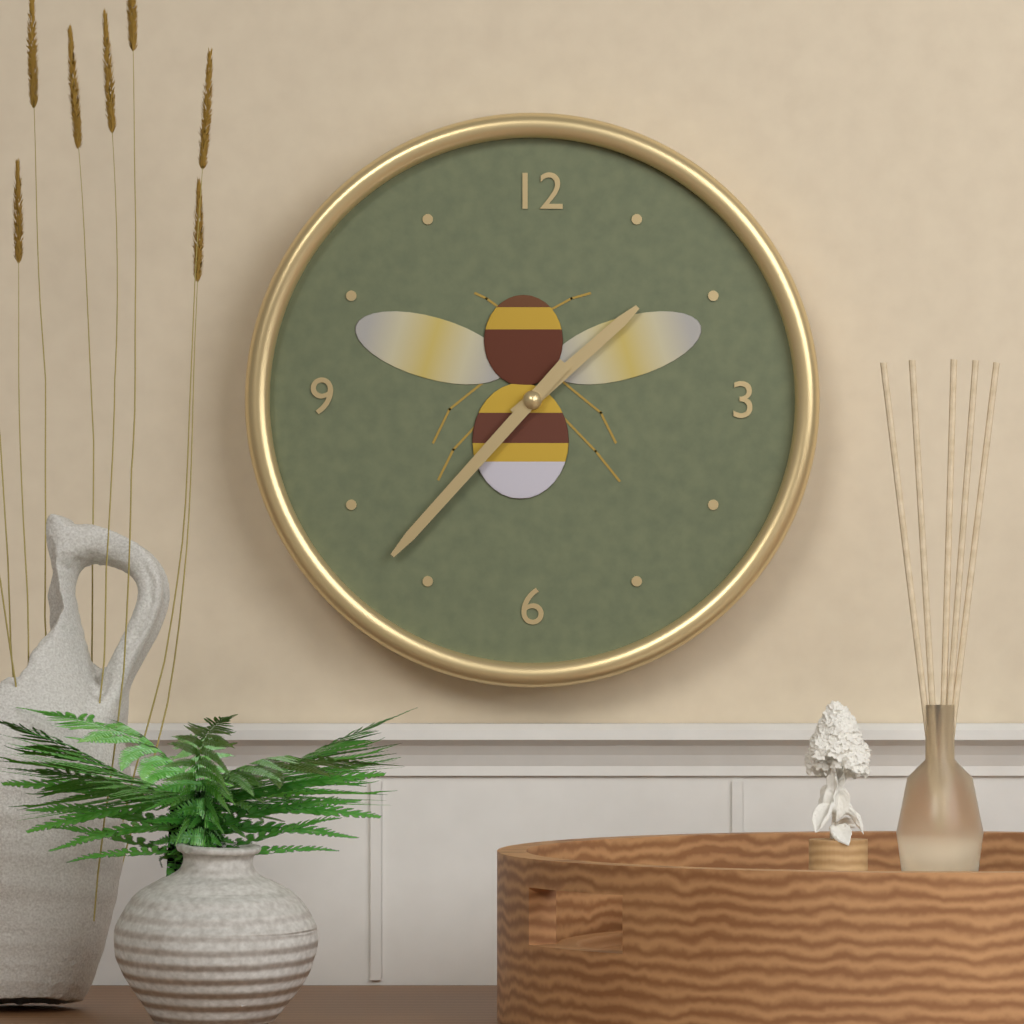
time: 1:37
